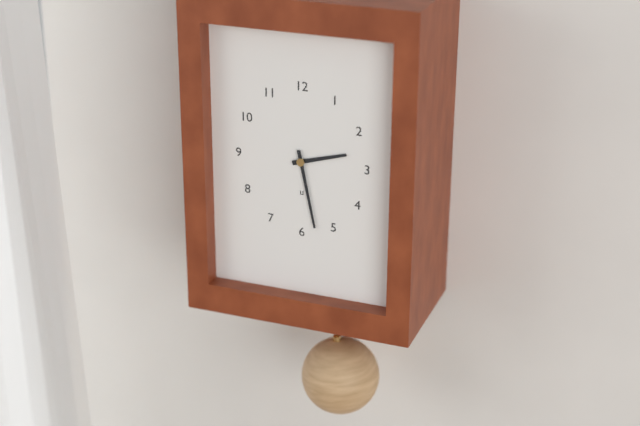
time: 2:28
